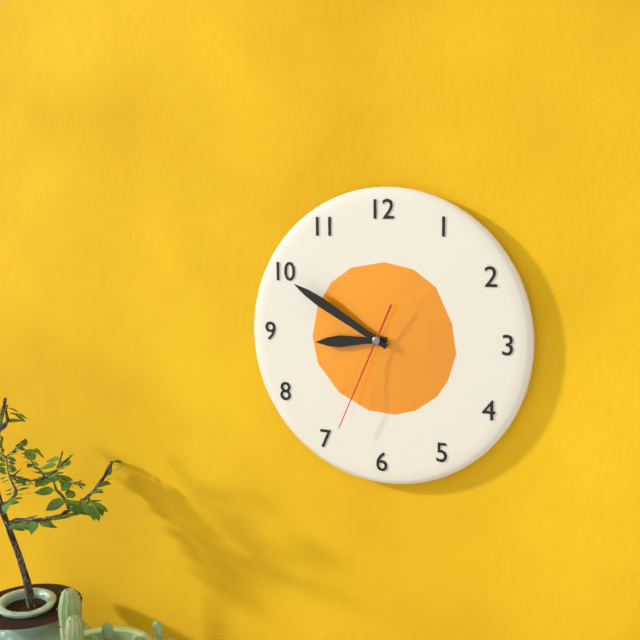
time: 8:50:34
